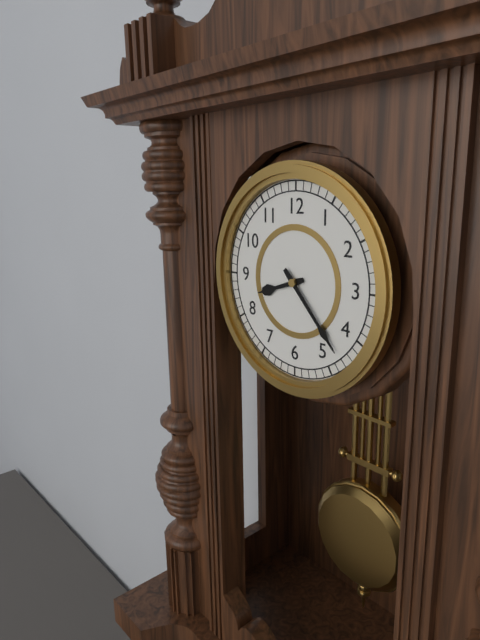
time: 8:23
